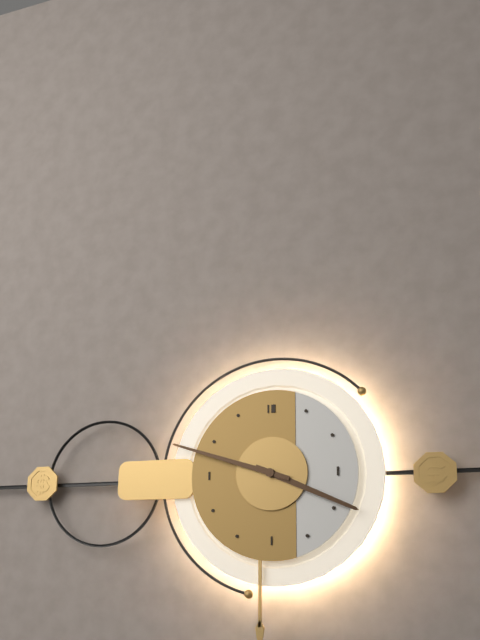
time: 3:48
